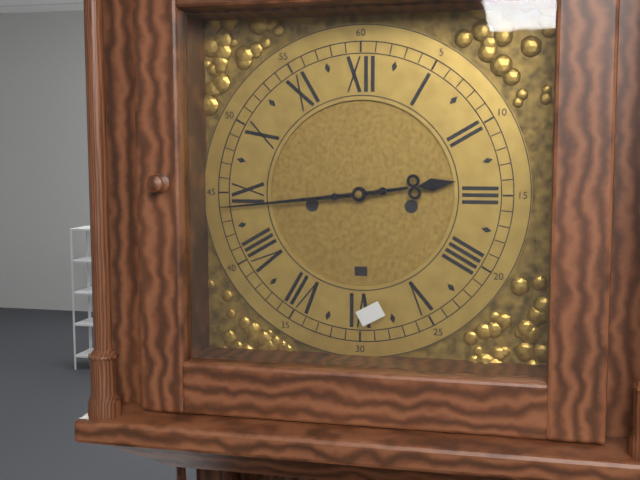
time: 2:44
